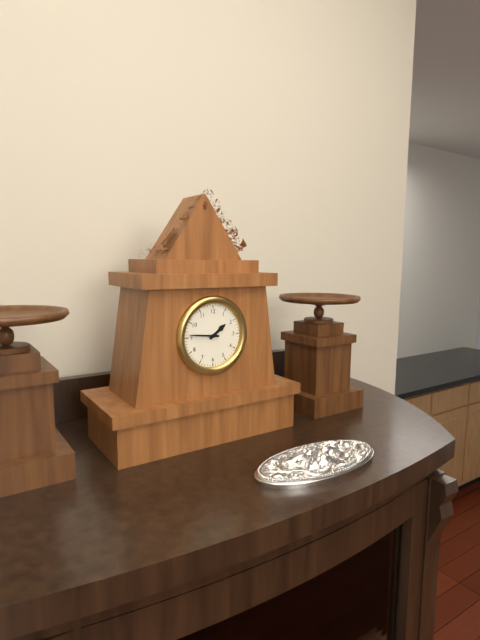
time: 1:46
